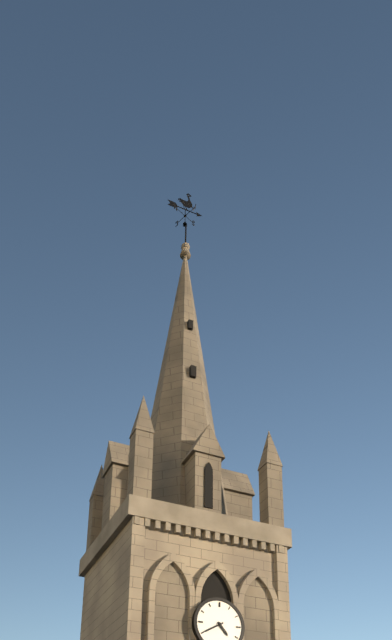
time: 4:40
